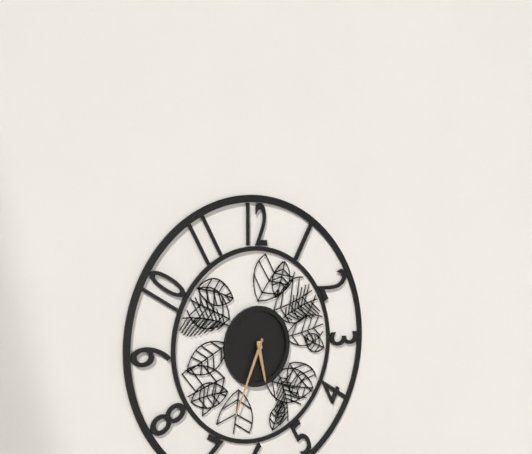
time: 5:34
